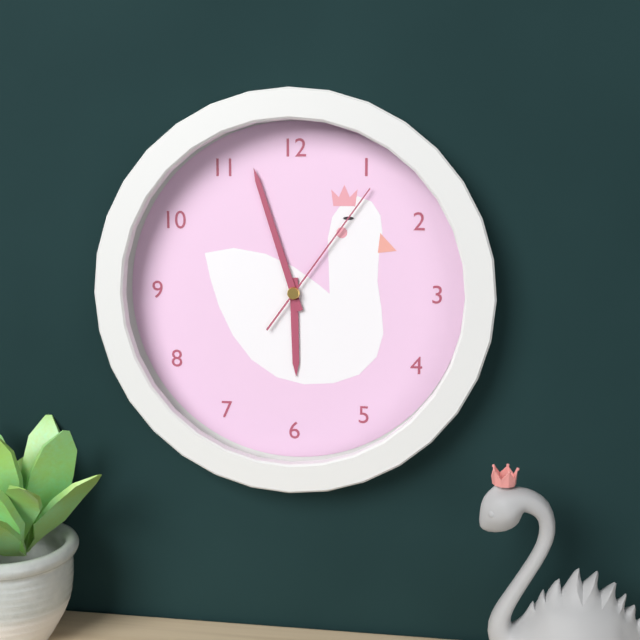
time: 5:57:06
